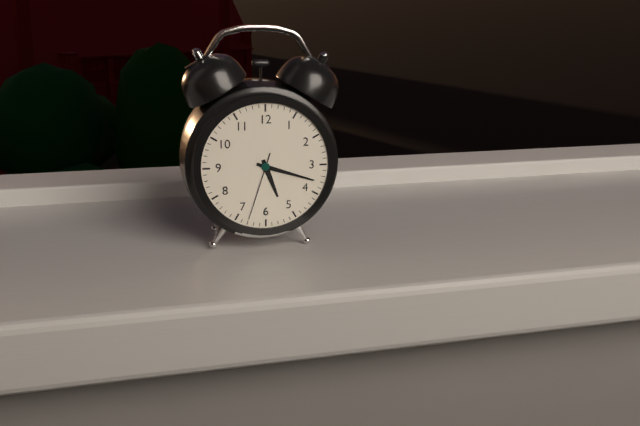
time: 5:18:33
